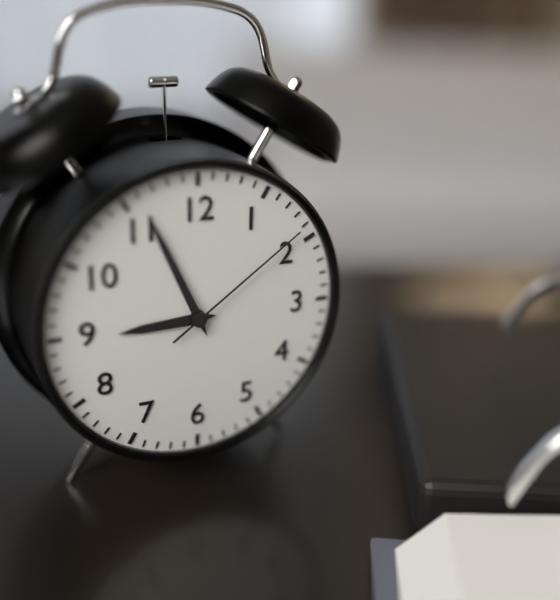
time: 8:56:09
